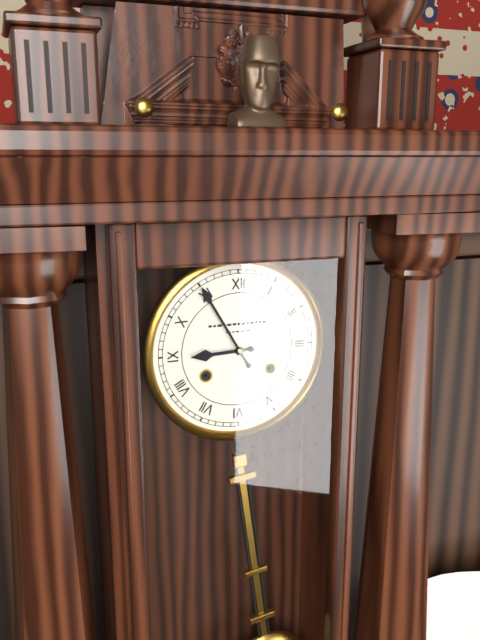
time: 8:55
